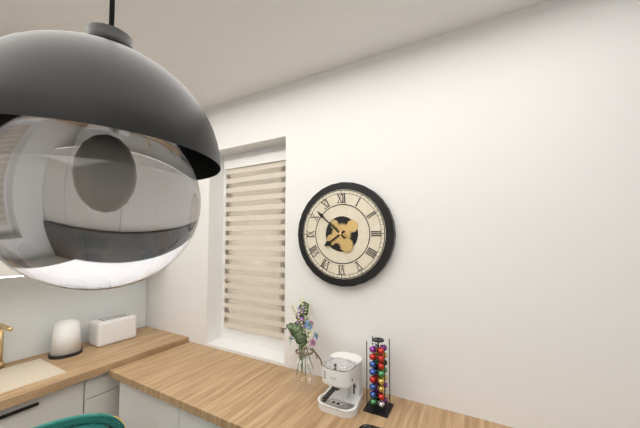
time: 7:52
